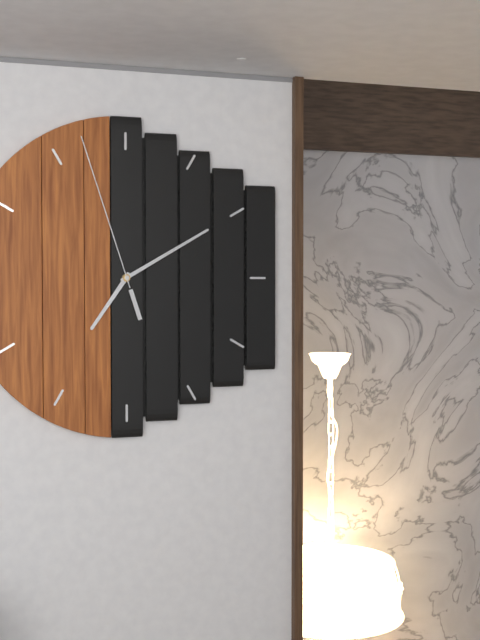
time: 7:10:57
